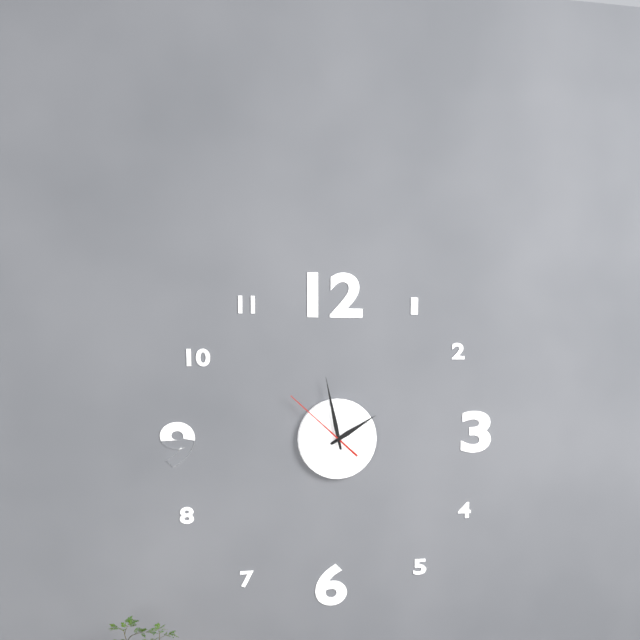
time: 1:58:52
